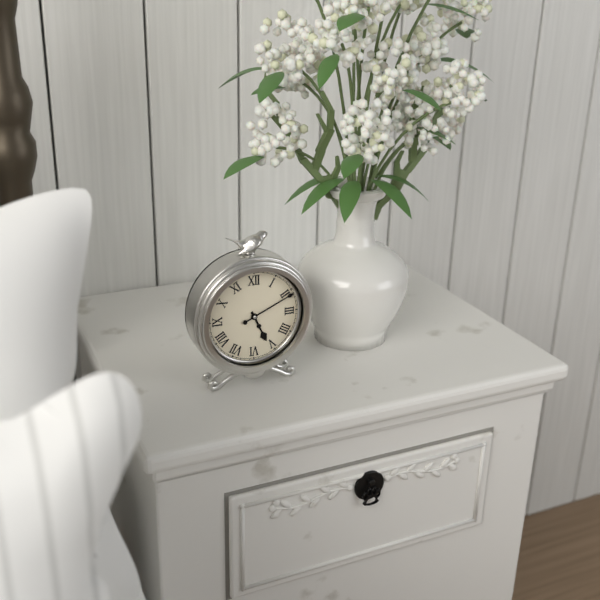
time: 5:11
